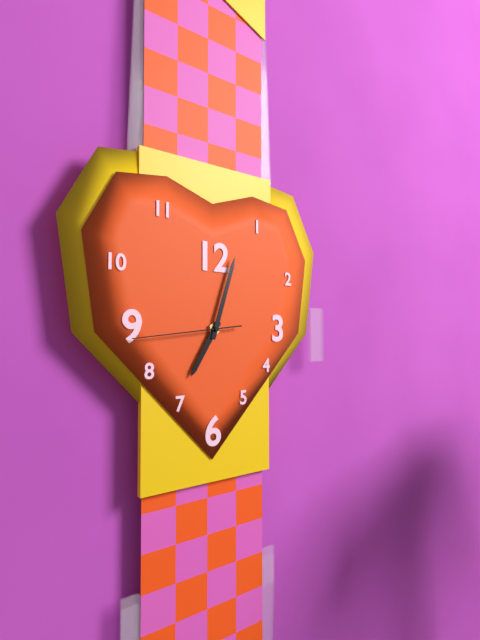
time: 7:03:44
